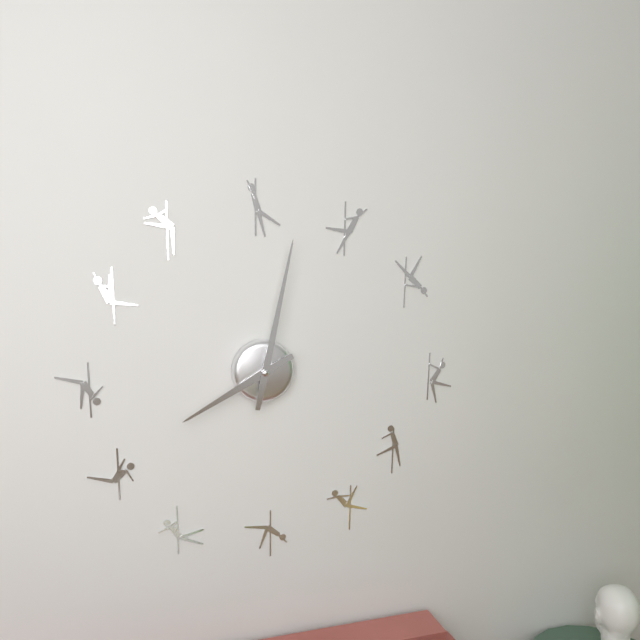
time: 8:02
